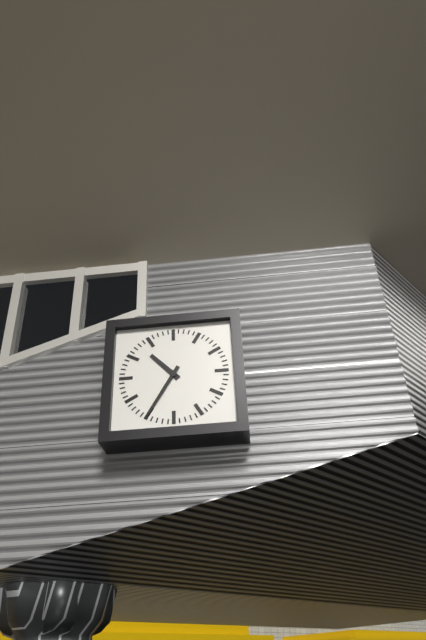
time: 10:35
